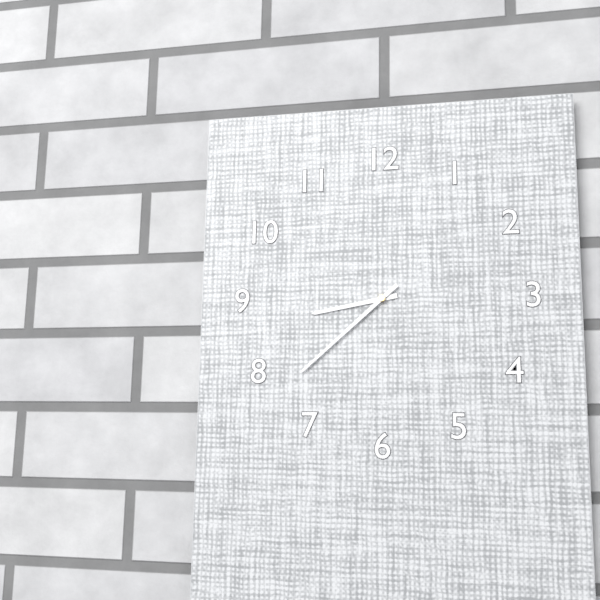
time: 8:38
